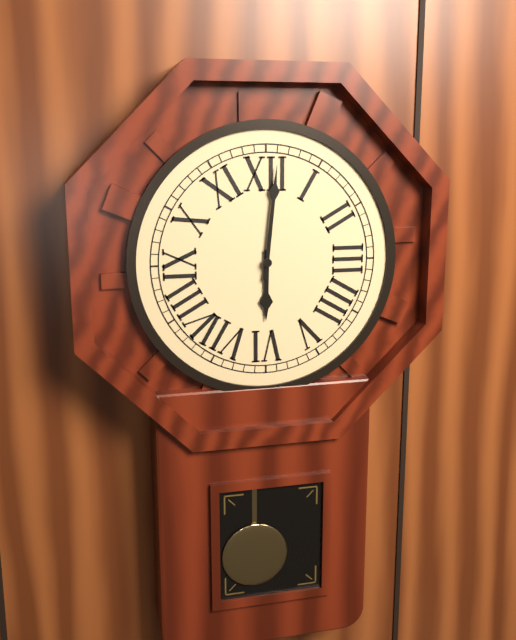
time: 6:01
